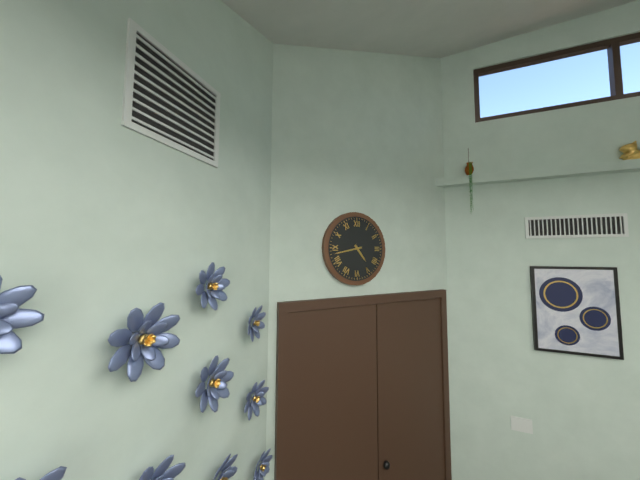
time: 4:43
